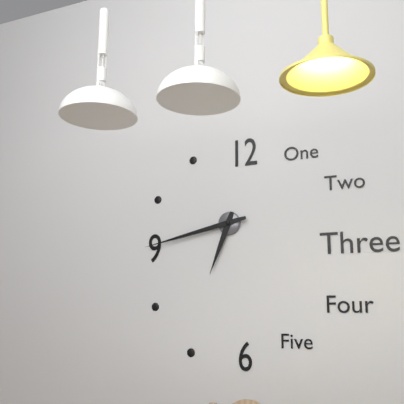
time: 6:43
